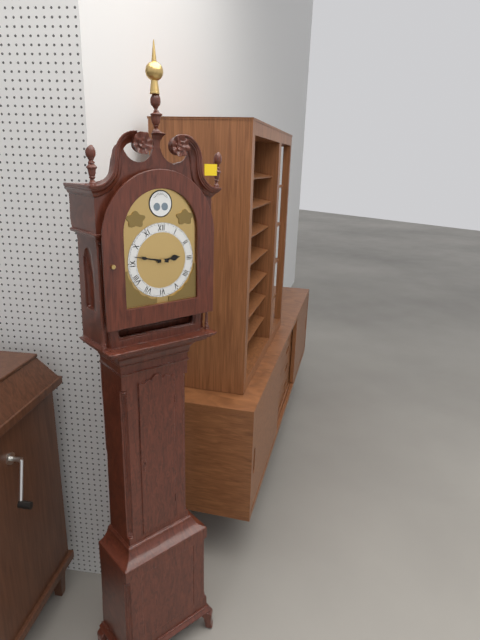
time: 2:47
